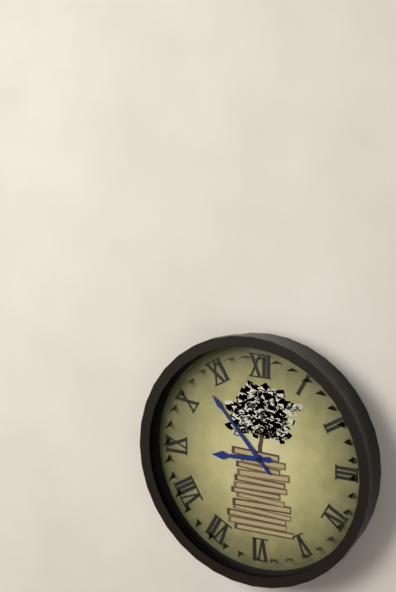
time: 8:53
